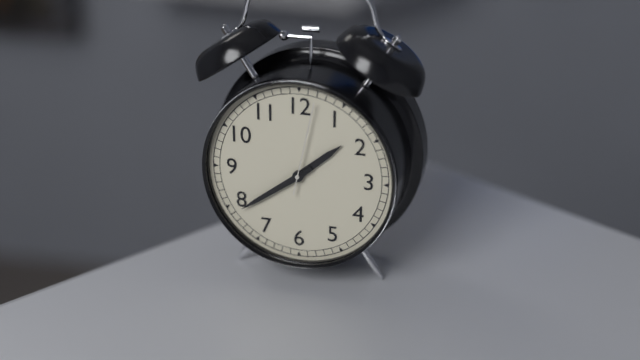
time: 1:39:02
